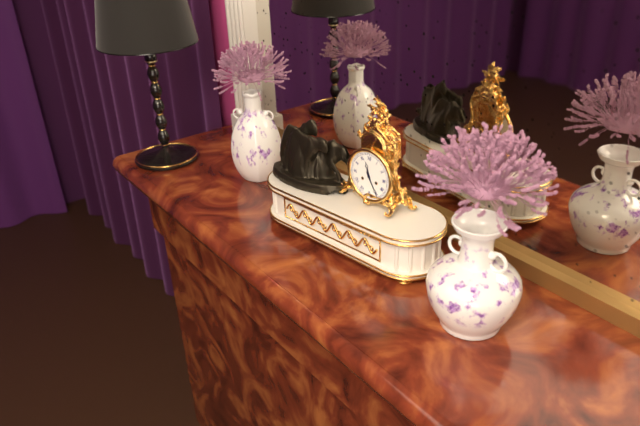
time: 11:25
